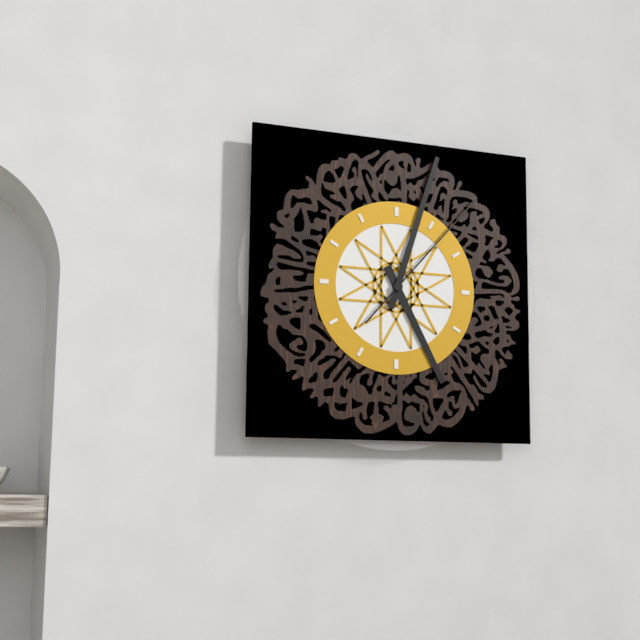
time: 5:03:07
